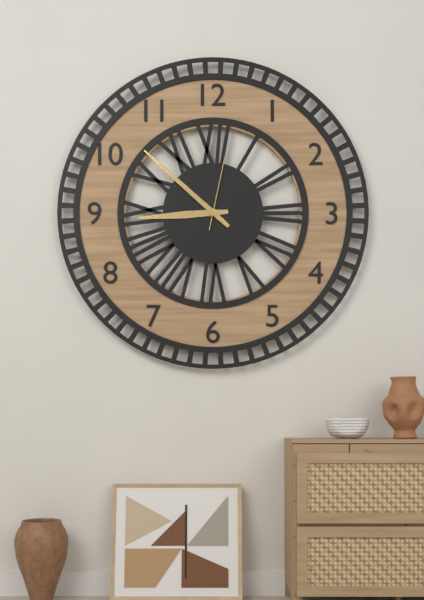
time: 8:52:02
